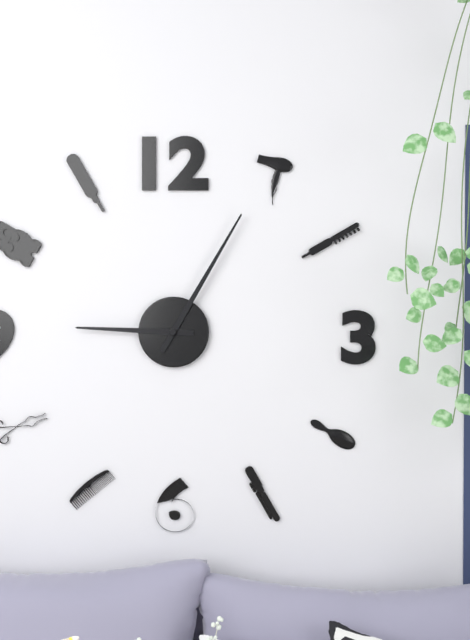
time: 9:05
